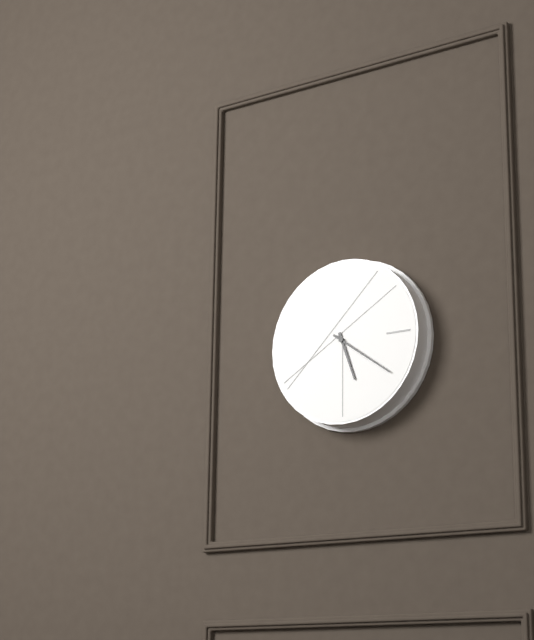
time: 5:21
